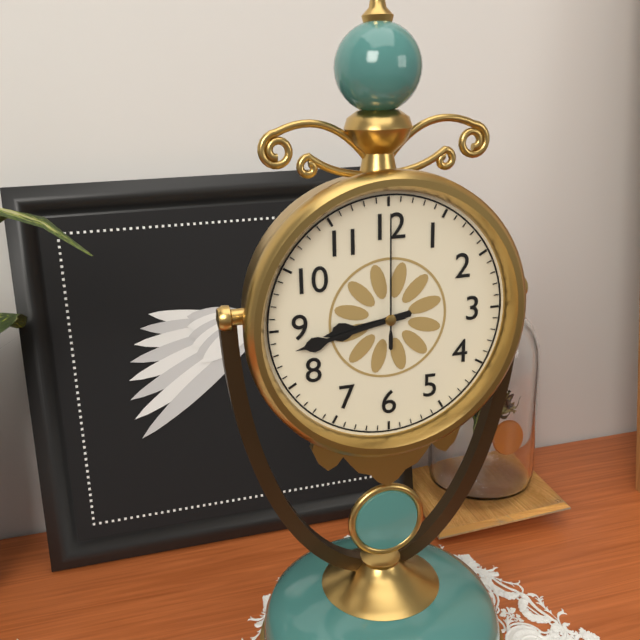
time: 8:43:00
